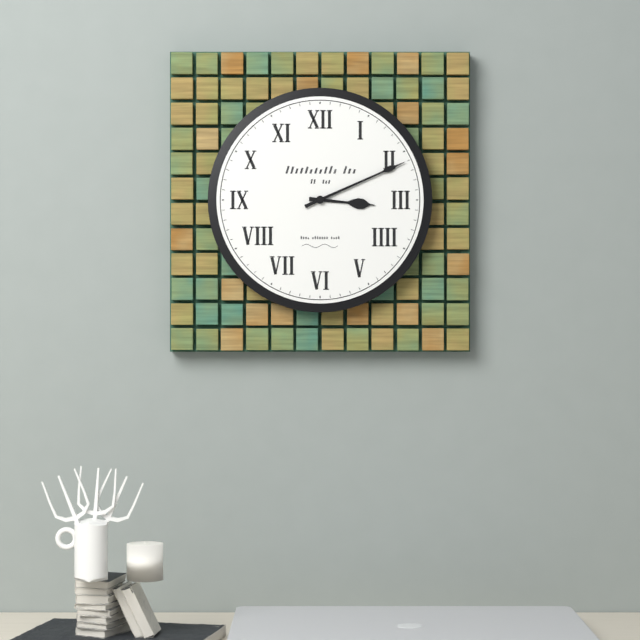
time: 3:11
